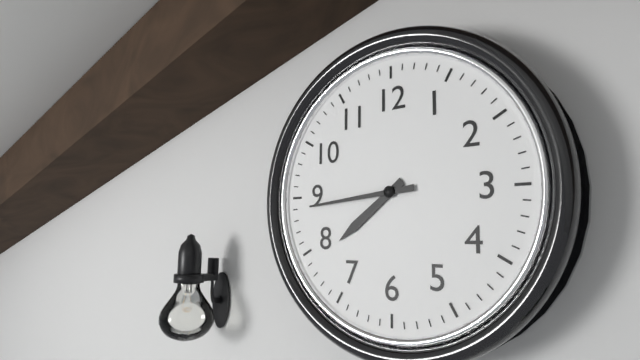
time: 7:44
